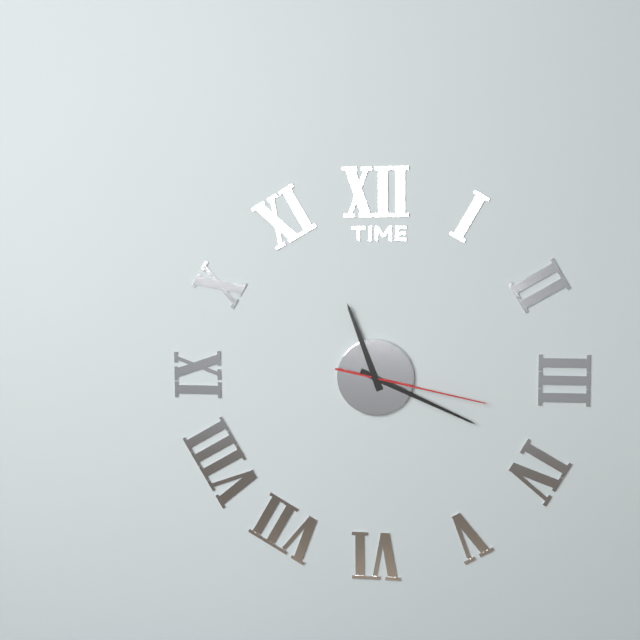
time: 11:19:17
